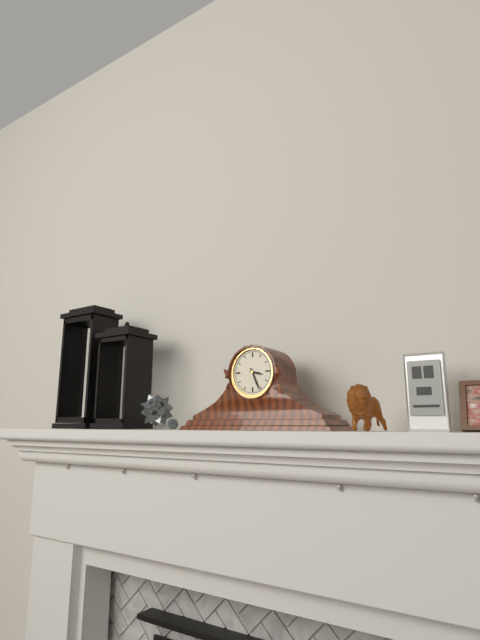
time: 3:26
